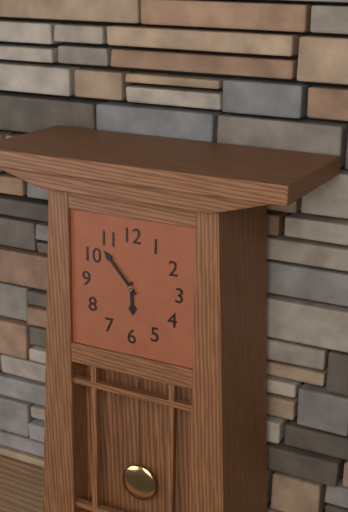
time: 5:53
